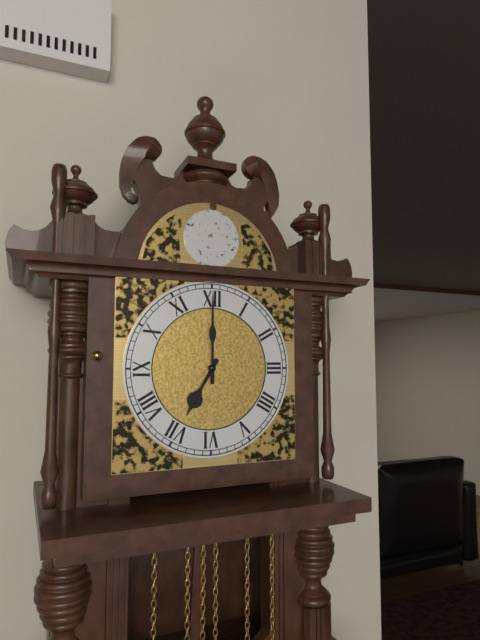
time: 7:00
